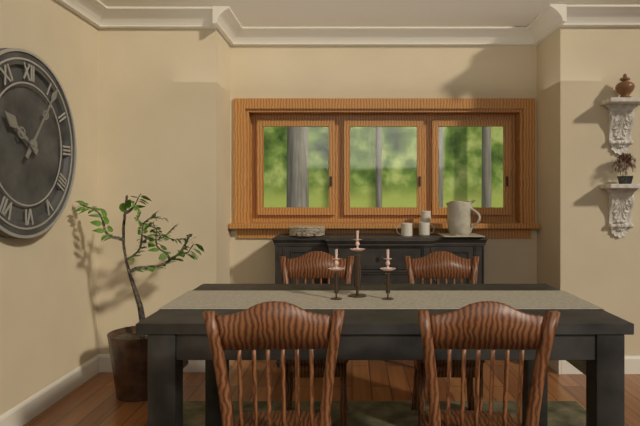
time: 10:06
